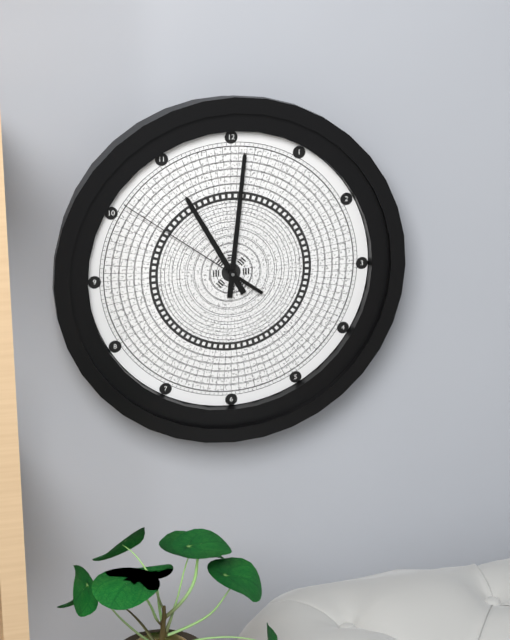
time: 11:01:51
